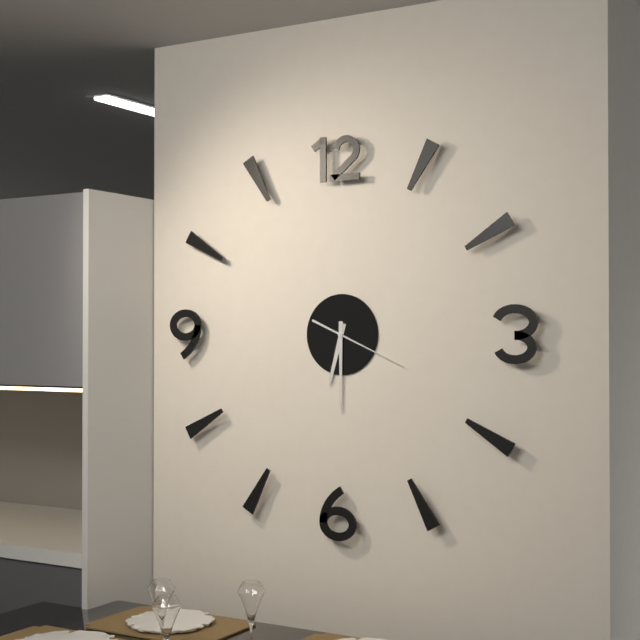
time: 6:30:19
